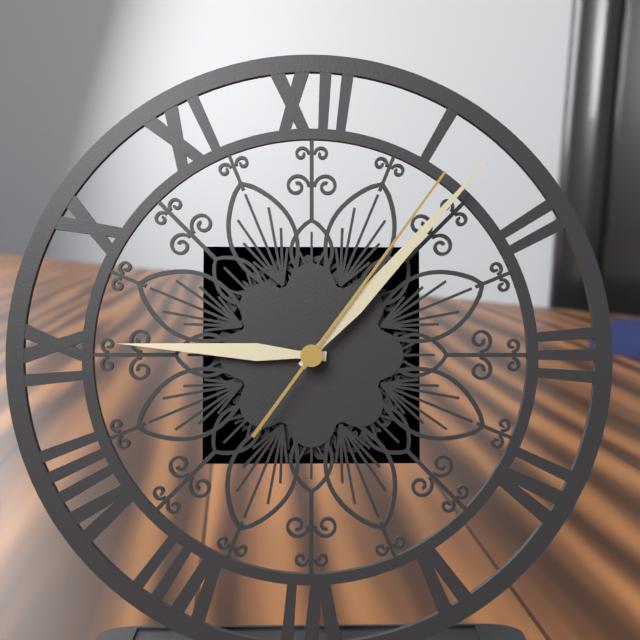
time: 9:07:06
